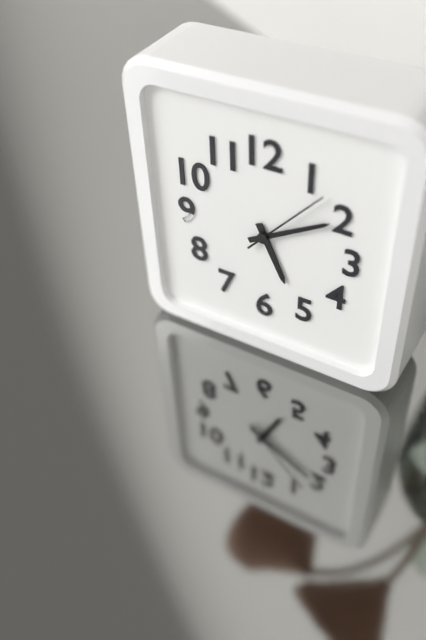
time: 5:10:07
